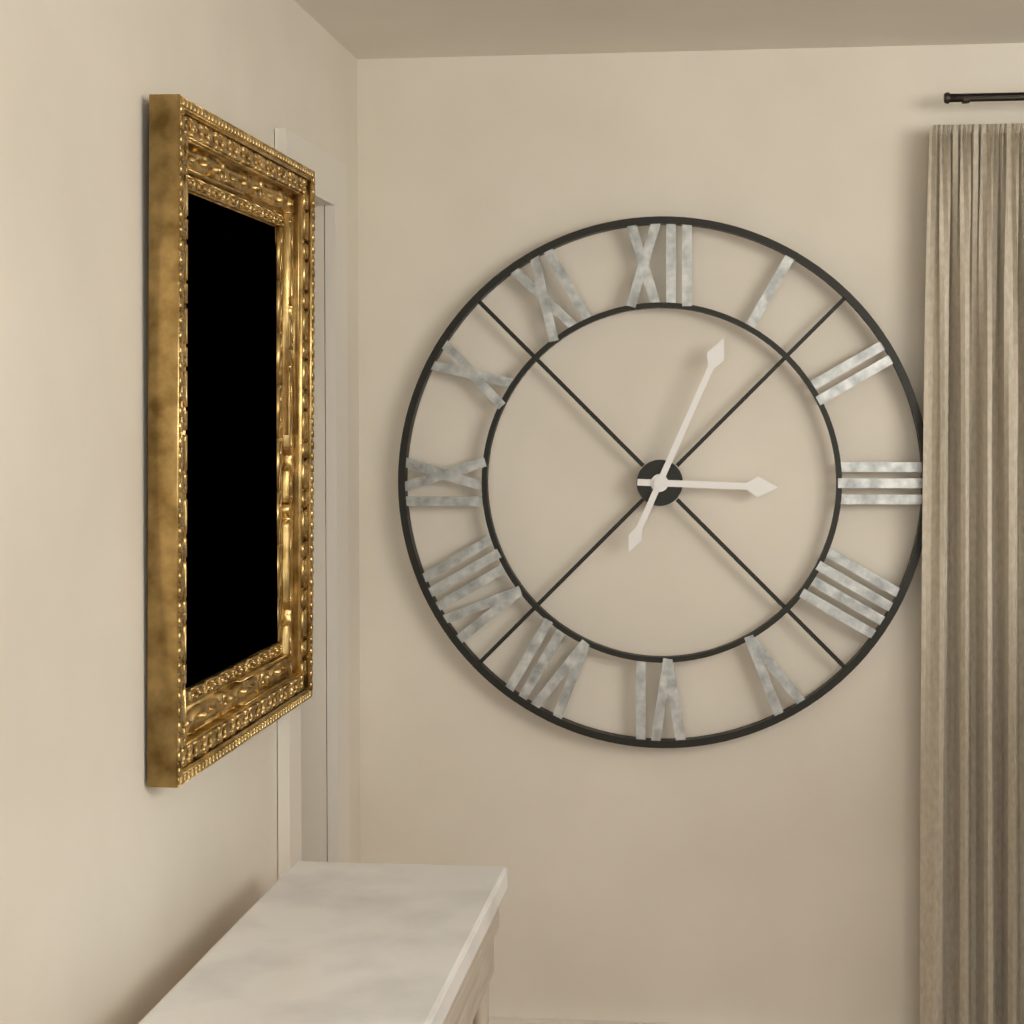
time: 3:04
